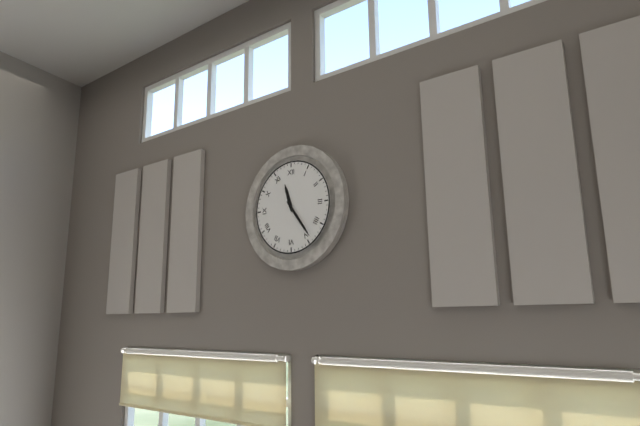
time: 11:24
